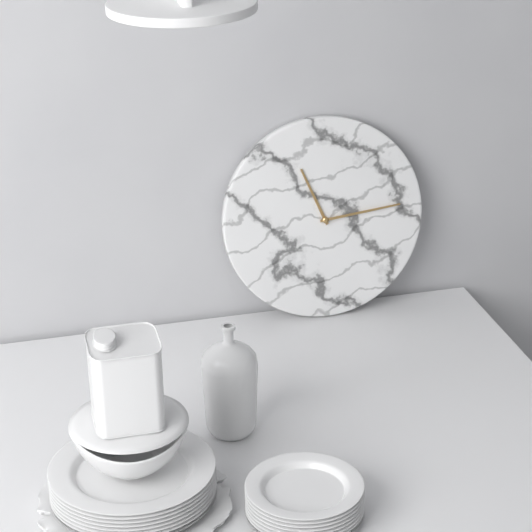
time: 11:14
